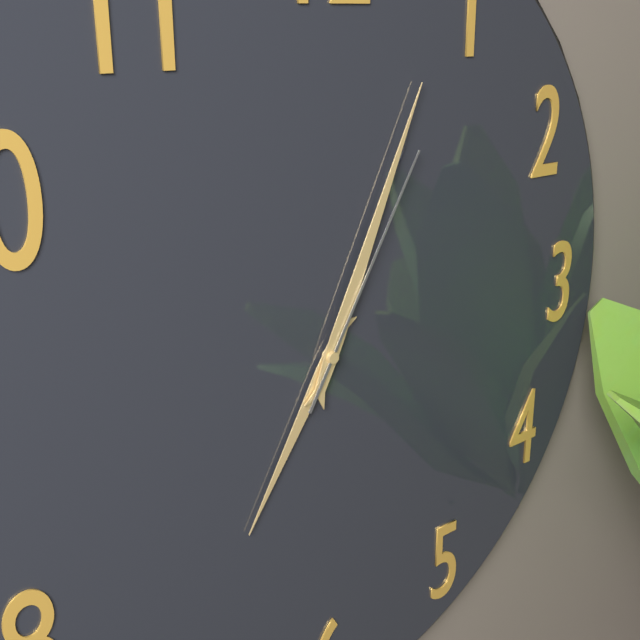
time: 7:04:05
